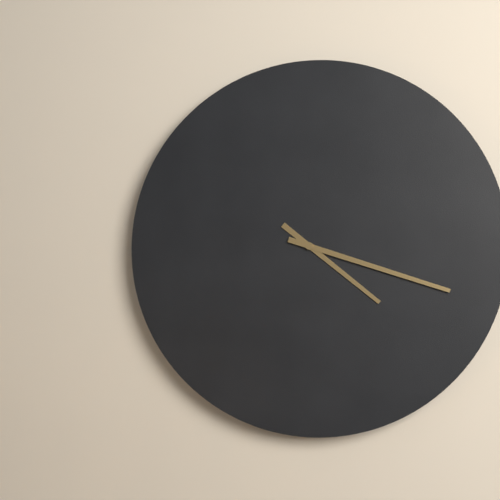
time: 4:18
